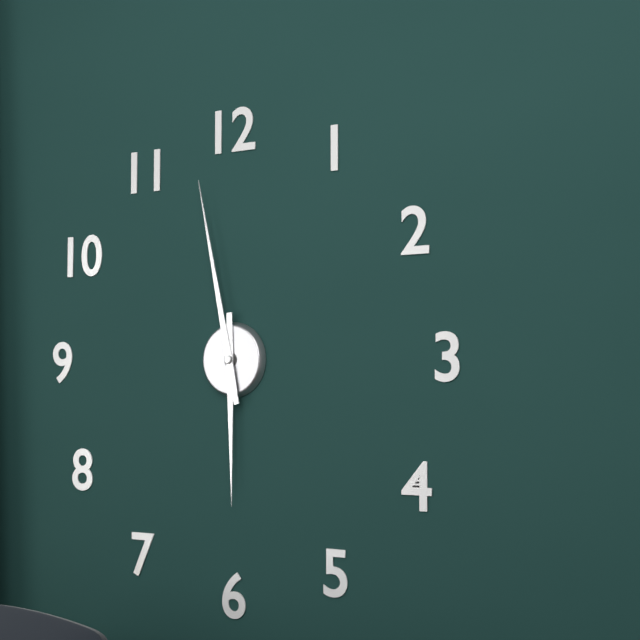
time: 5:58
